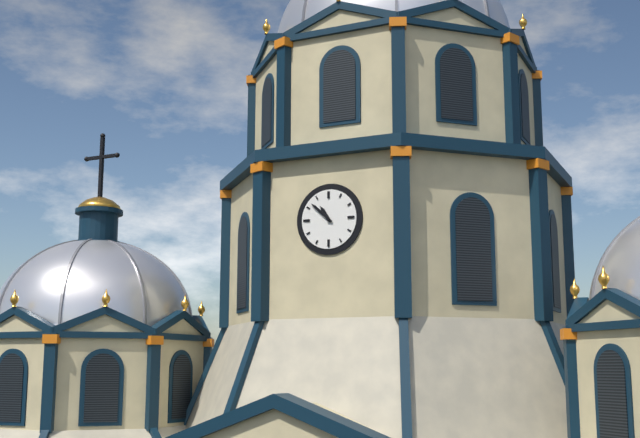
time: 10:52
